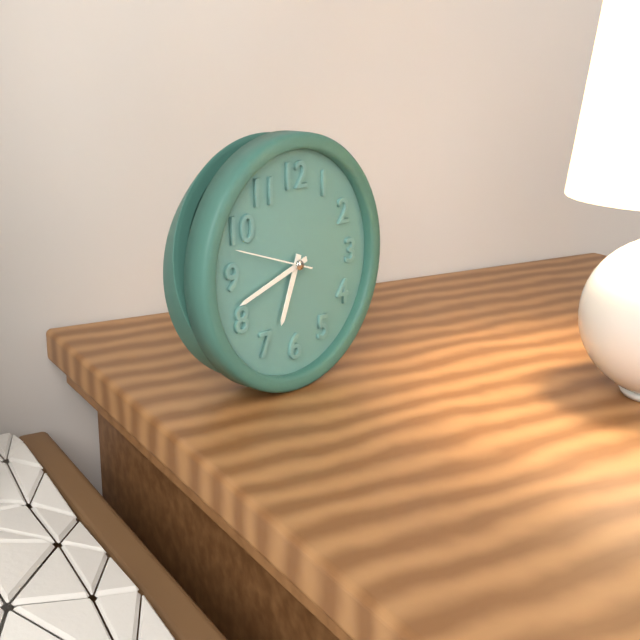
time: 6:42:48
